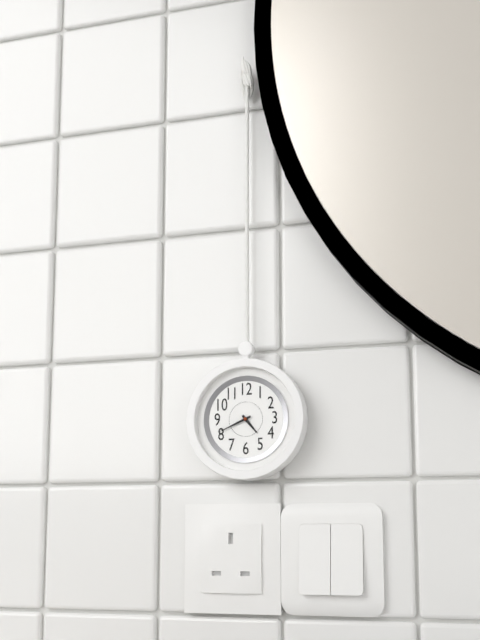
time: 4:41
